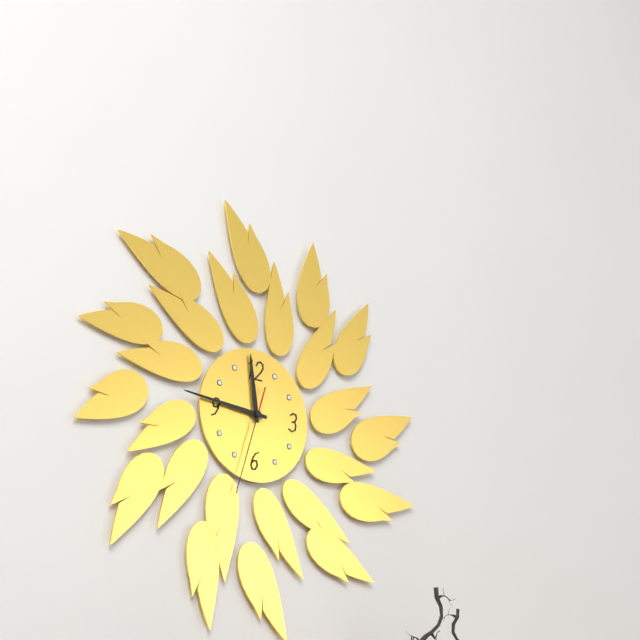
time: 11:46:33
